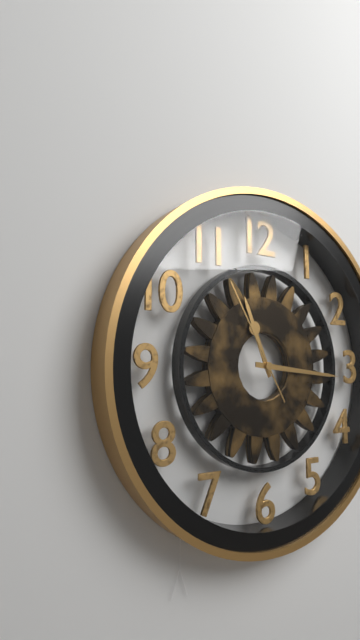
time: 11:16:55
